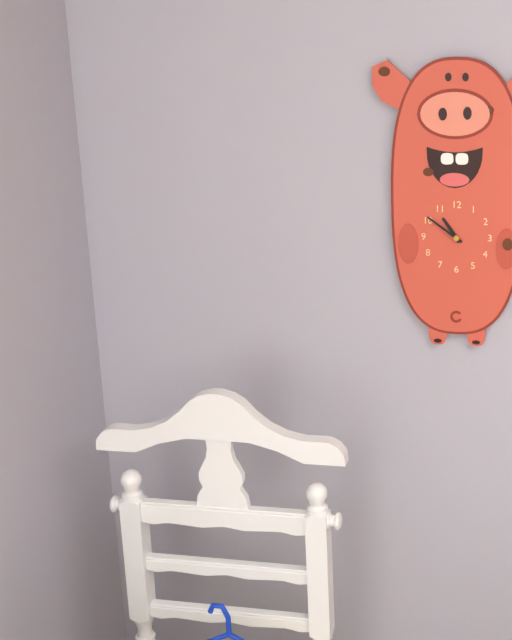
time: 10:51
